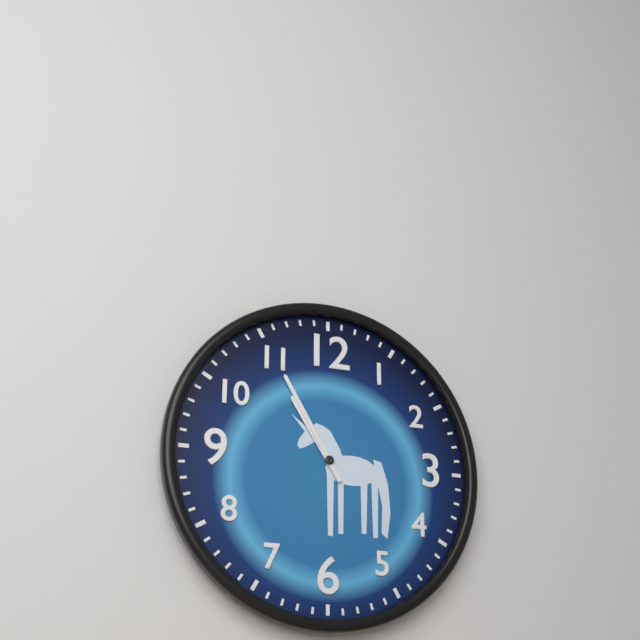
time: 10:55
